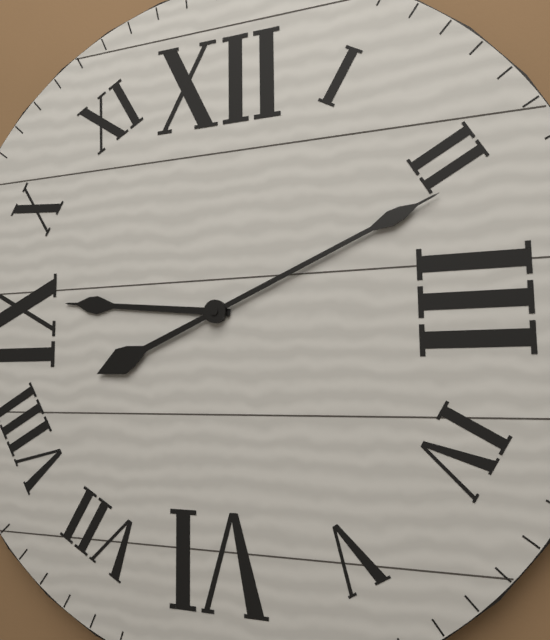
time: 9:11
